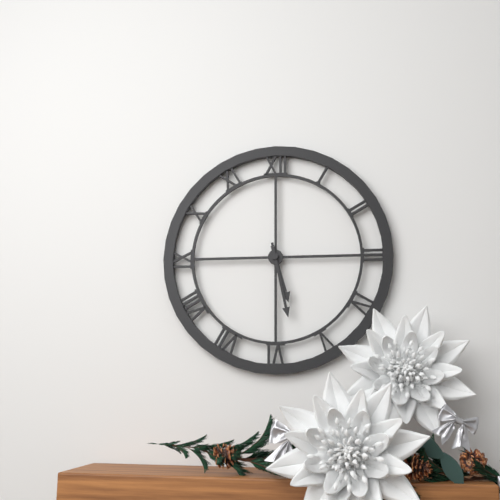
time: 5:28
